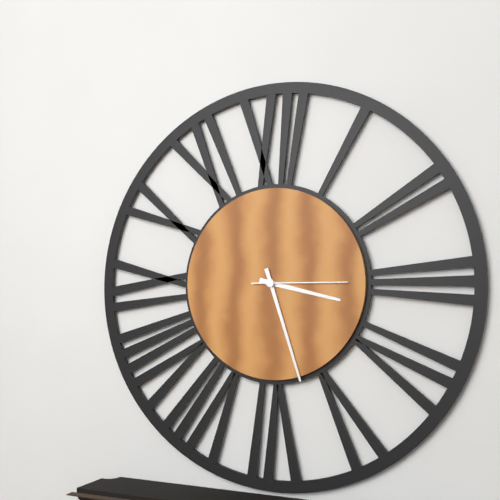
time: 3:27:15
